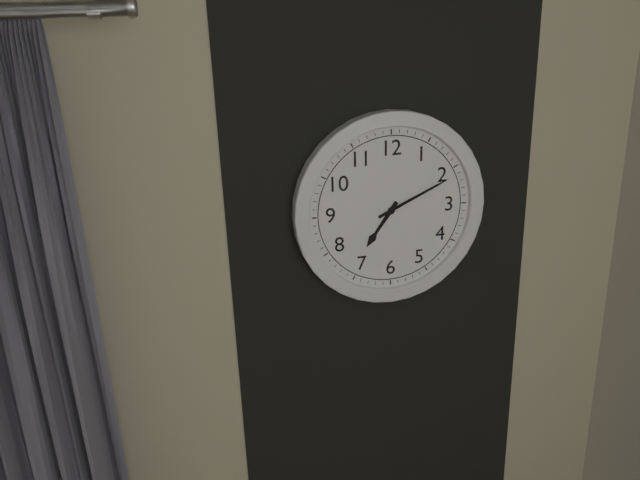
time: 7:11
